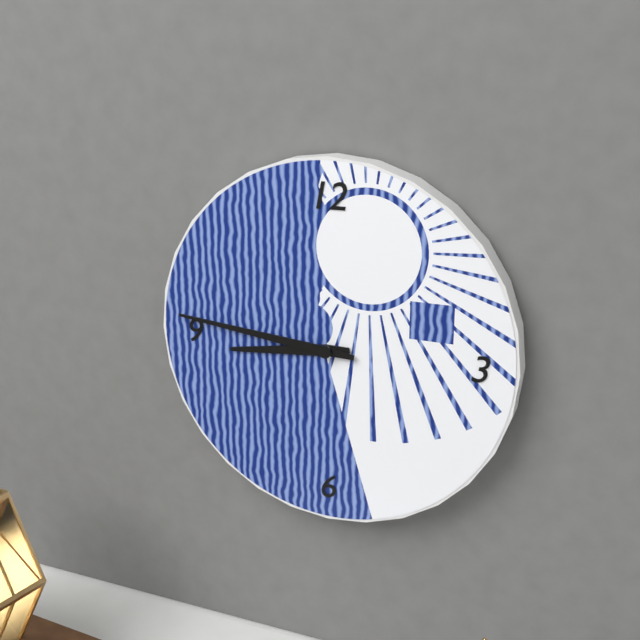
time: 8:46
